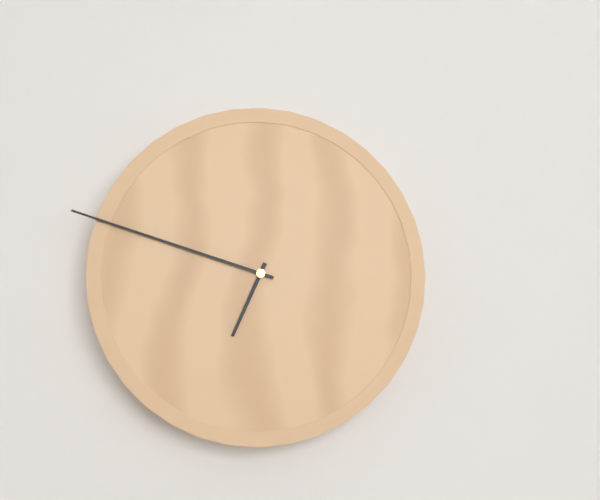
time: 6:48
